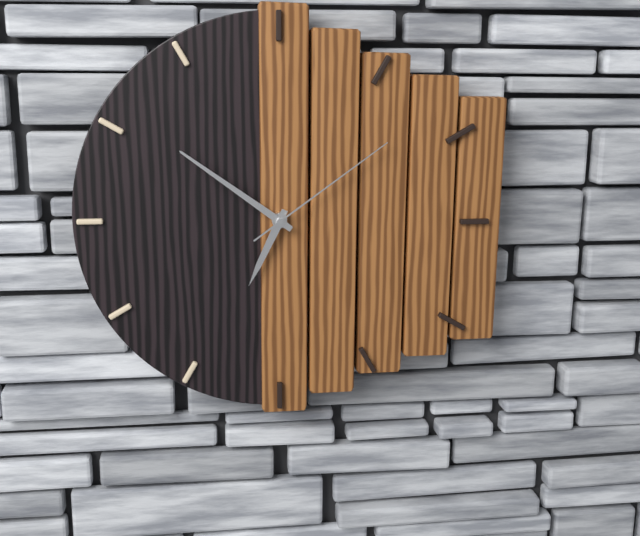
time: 6:51:09
